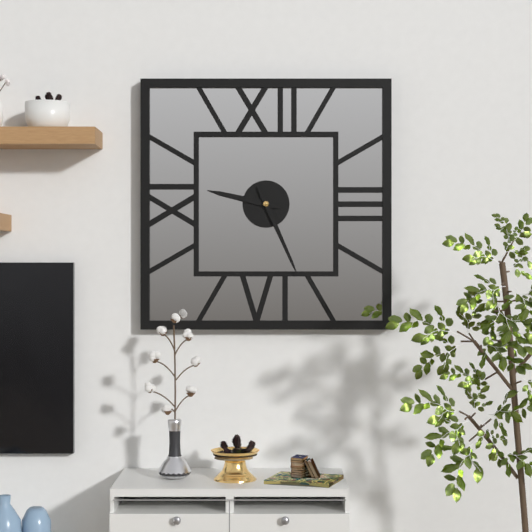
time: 9:26
